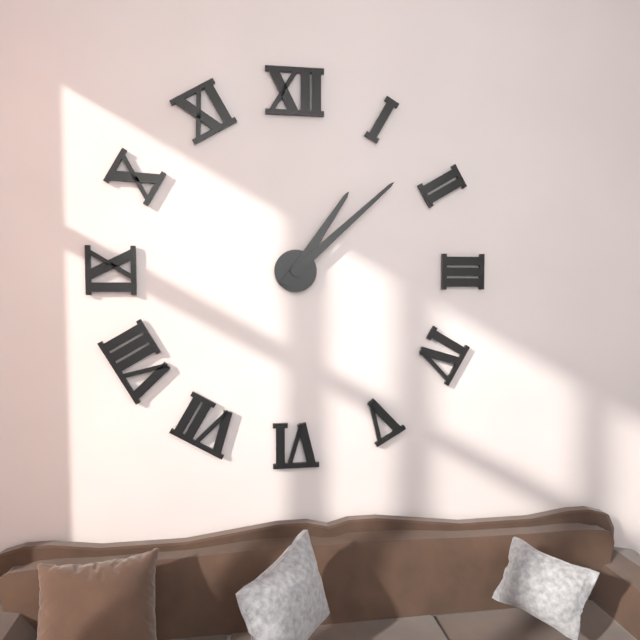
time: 1:08
